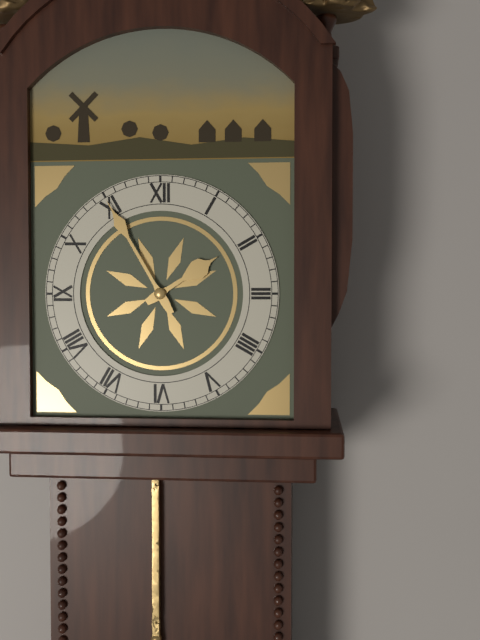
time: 1:55
